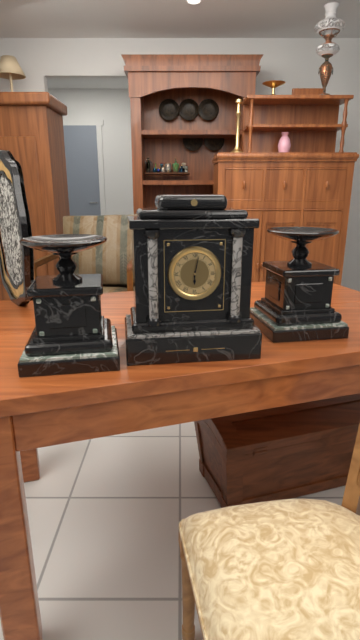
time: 6:02
